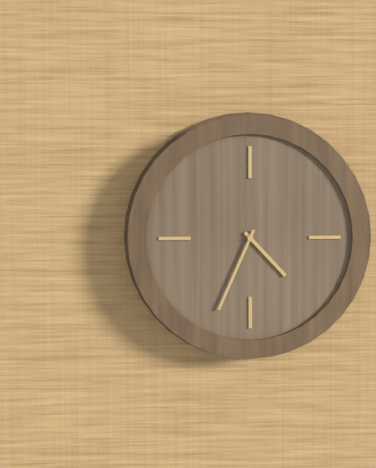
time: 4:34
